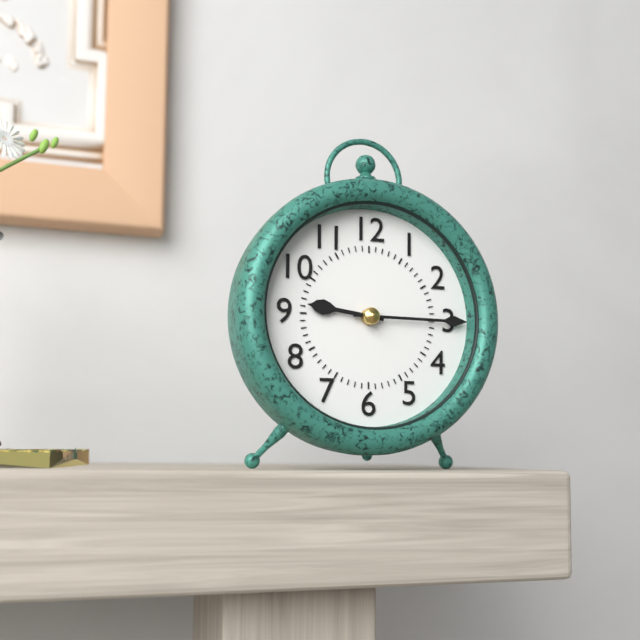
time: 9:15
